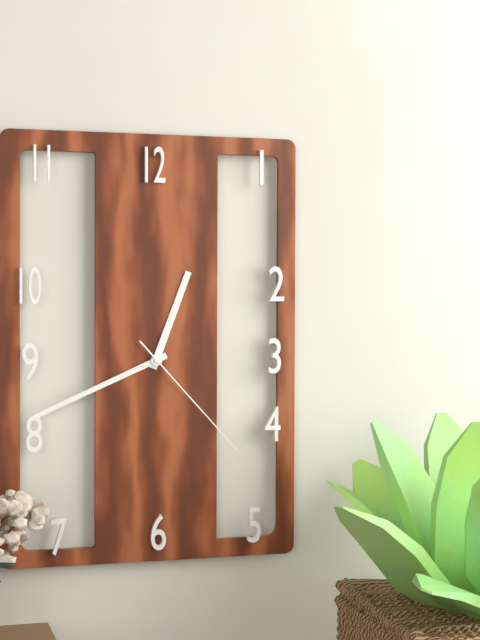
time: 12:41:23
